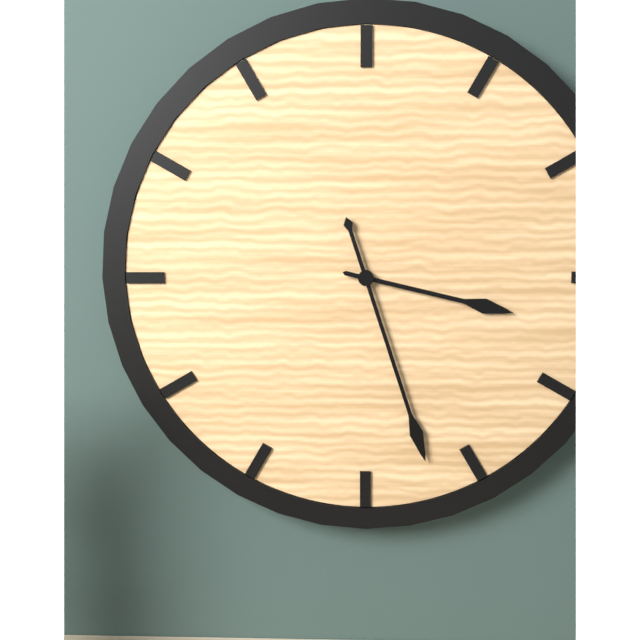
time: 3:27
